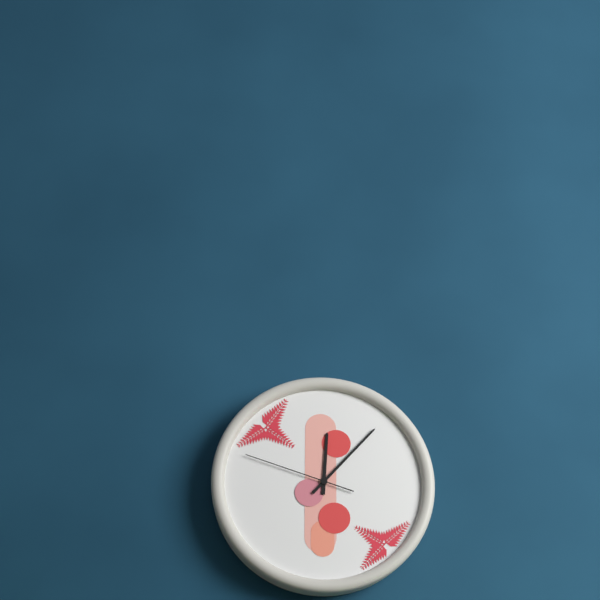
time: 12:07:48
